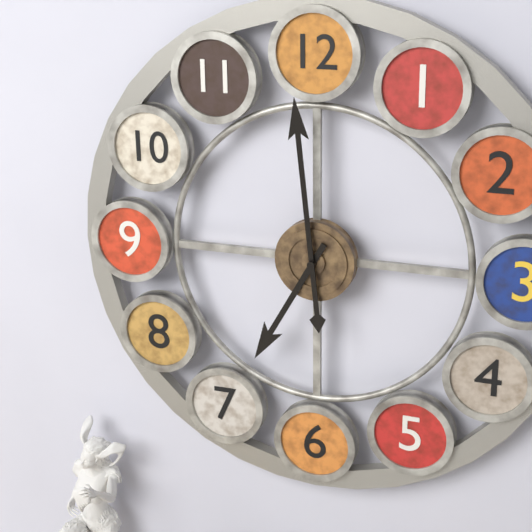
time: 6:59
